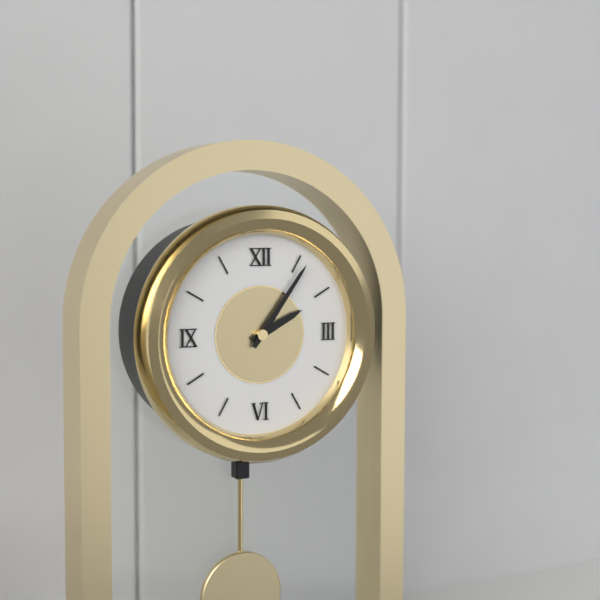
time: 2:06
